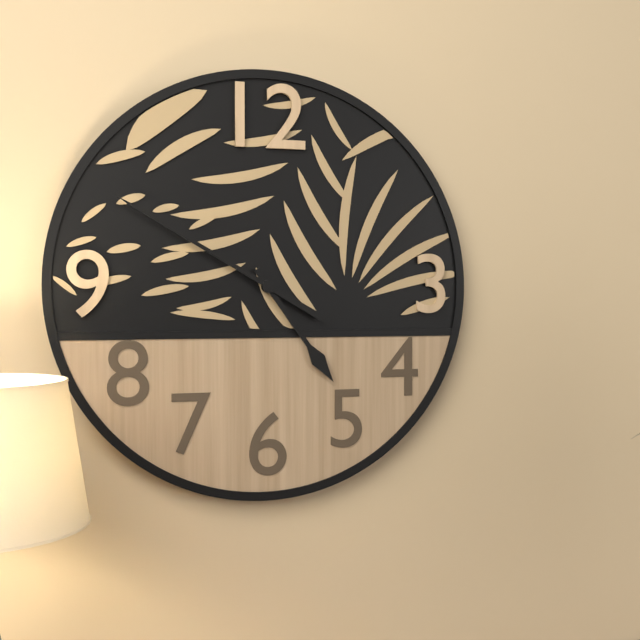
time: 4:50
